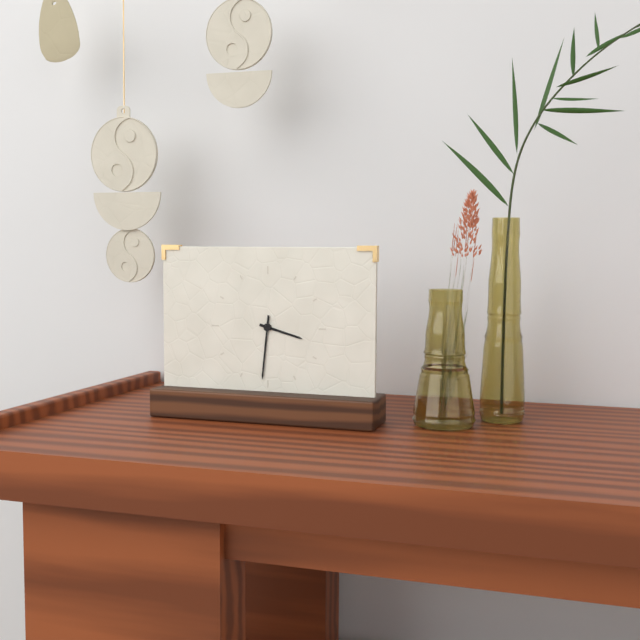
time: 3:31
